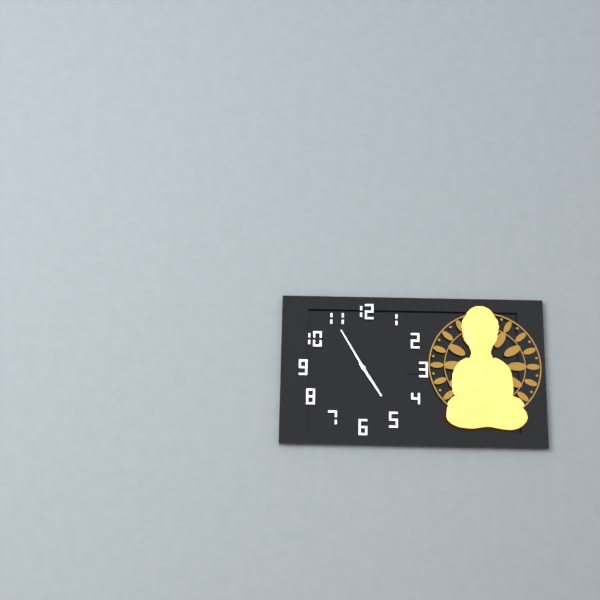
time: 4:55
